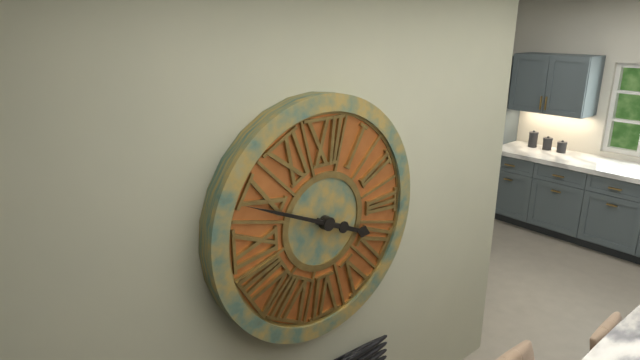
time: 3:49
